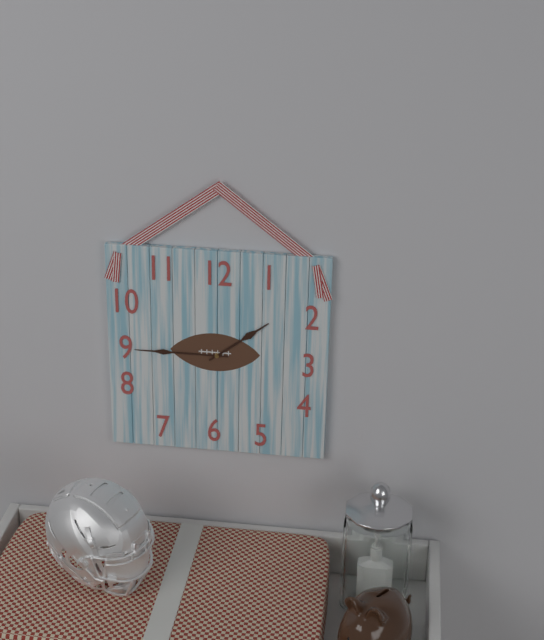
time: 1:45
